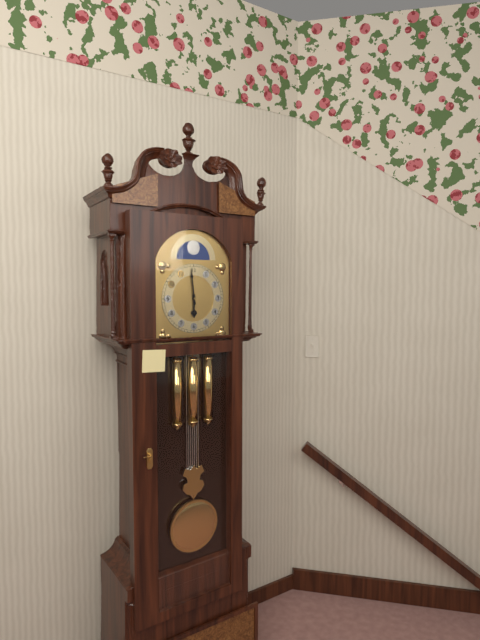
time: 5:59
